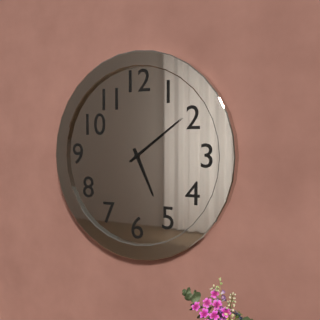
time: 5:09
